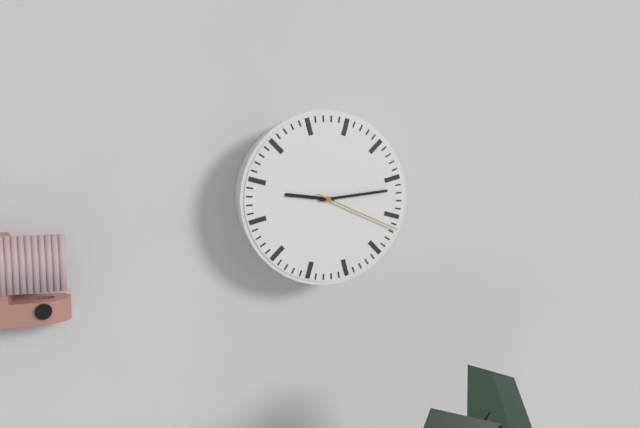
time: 9:14:19
